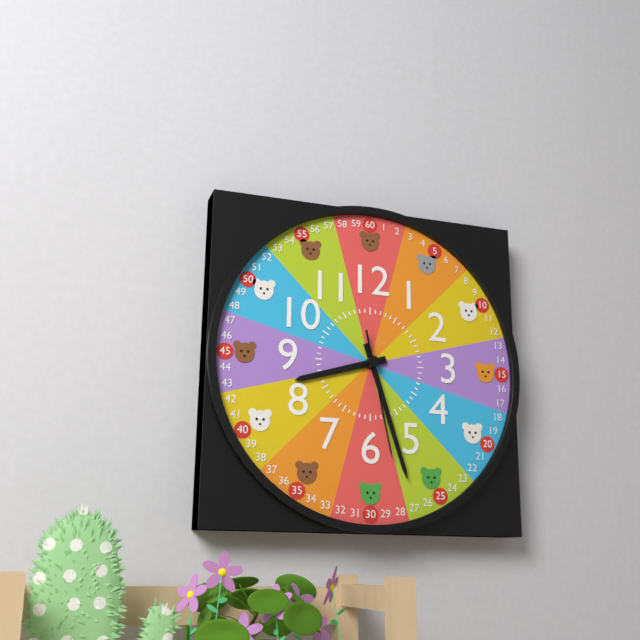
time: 8:27:28
